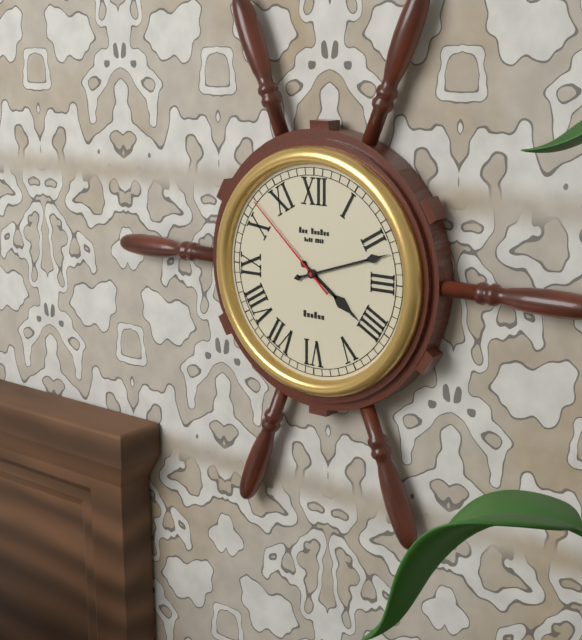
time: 4:12:52
